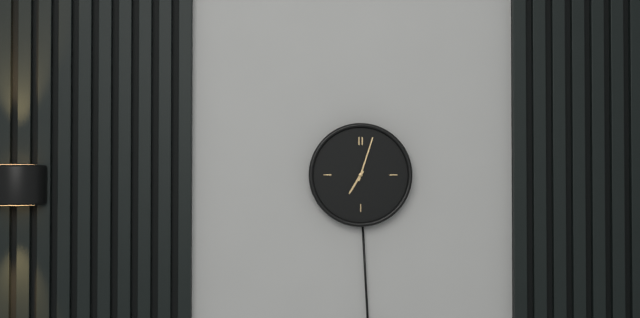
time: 7:03
